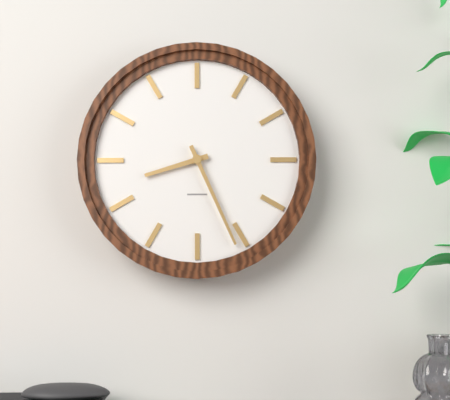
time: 8:26
